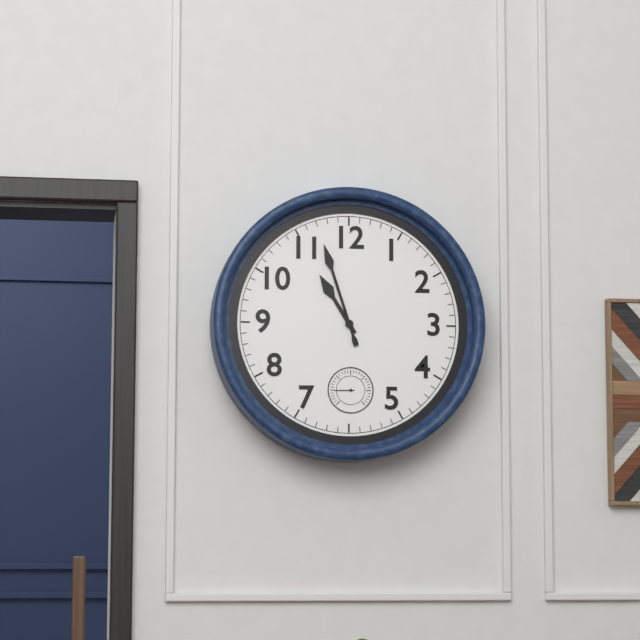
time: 10:57
